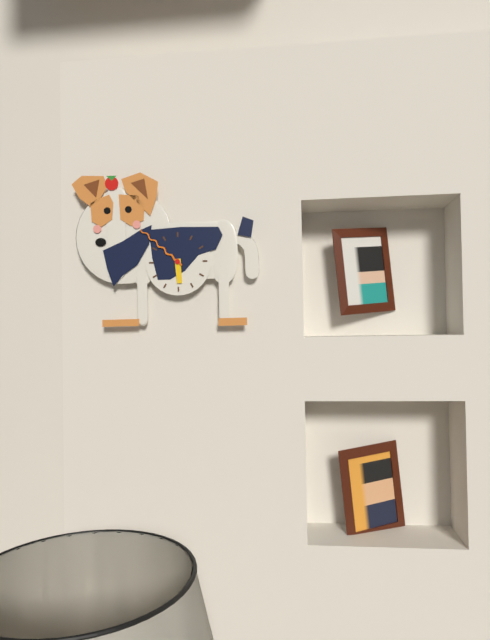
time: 5:52
